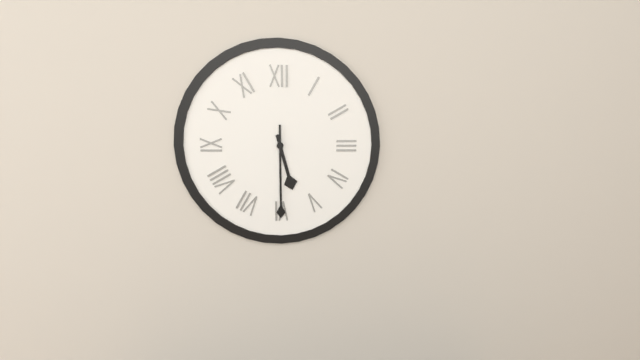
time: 5:30
